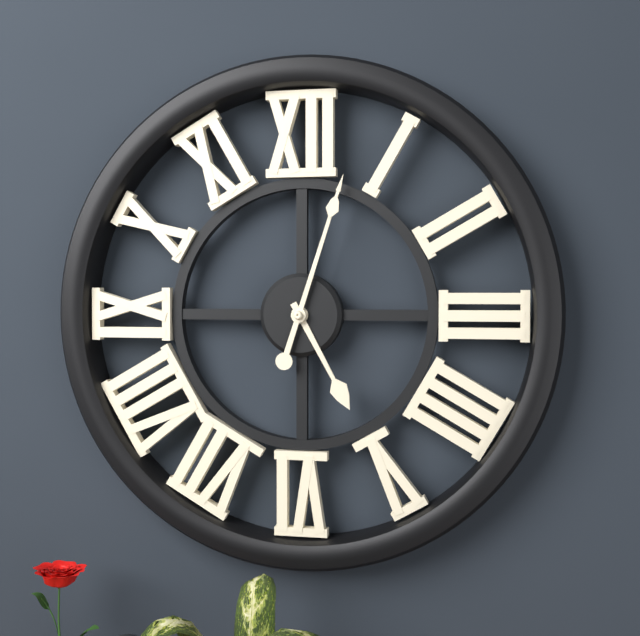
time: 5:03
